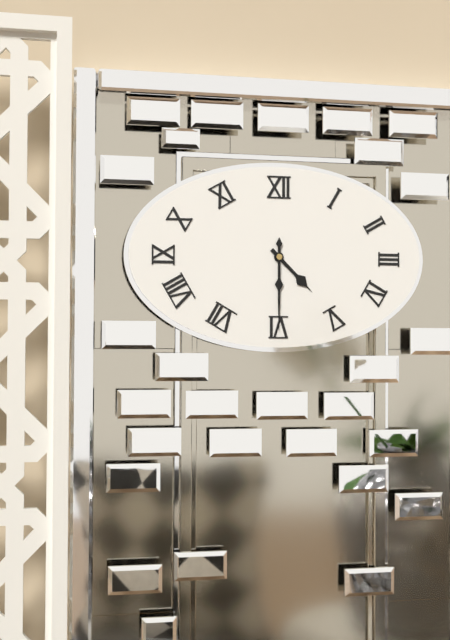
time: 4:30
